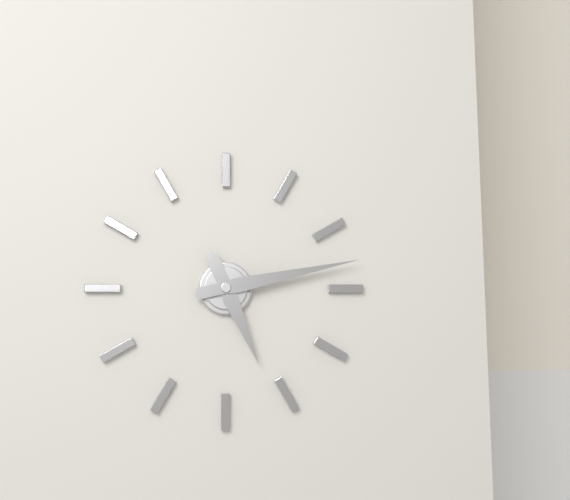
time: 5:13
